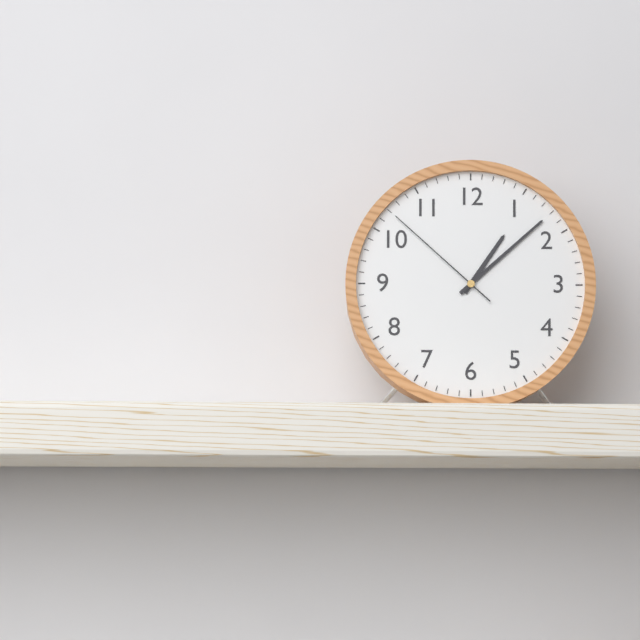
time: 1:08:52
